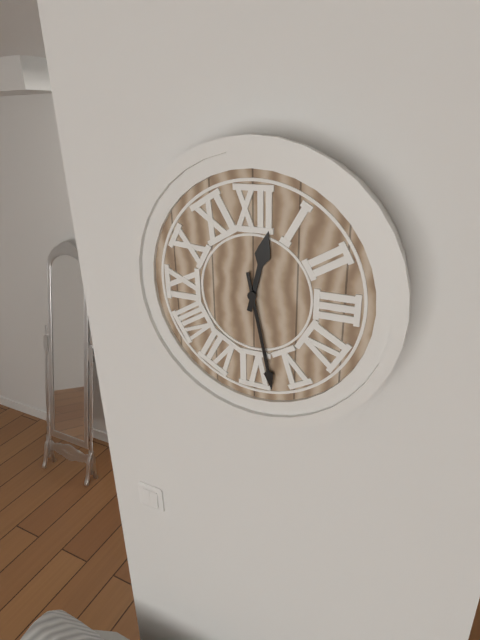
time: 12:28
